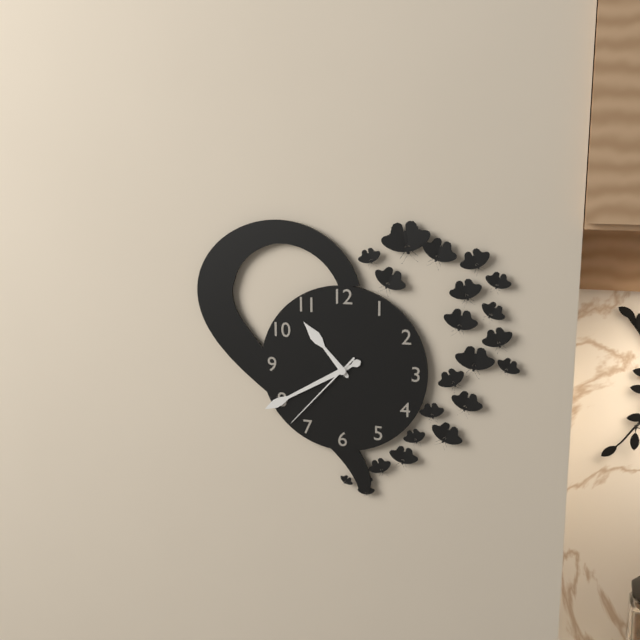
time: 10:40:37
